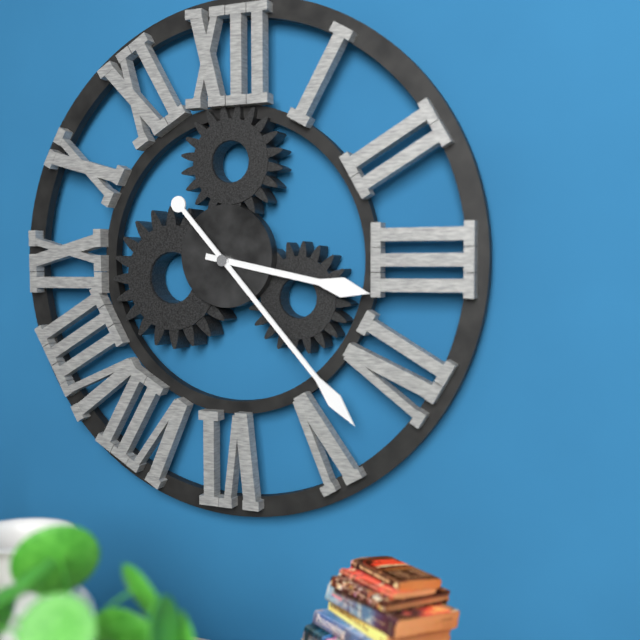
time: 3:23
